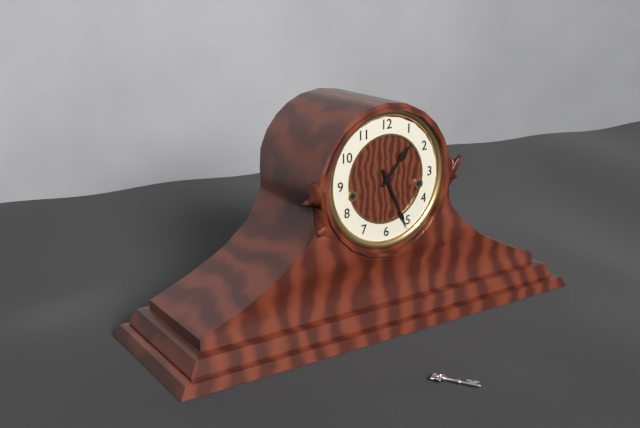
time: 1:26
